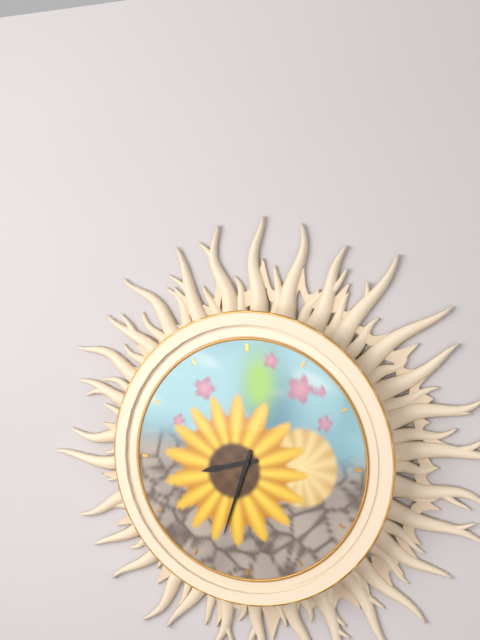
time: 8:33
